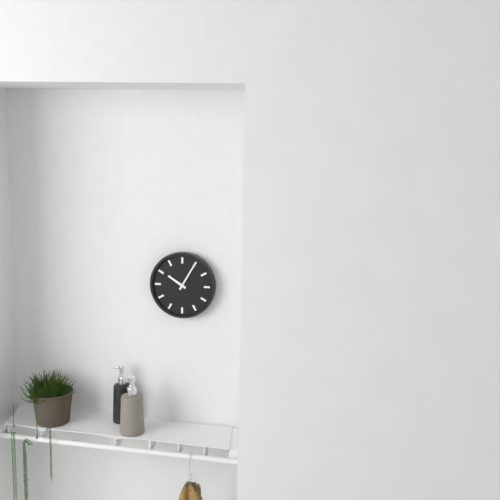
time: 10:05
